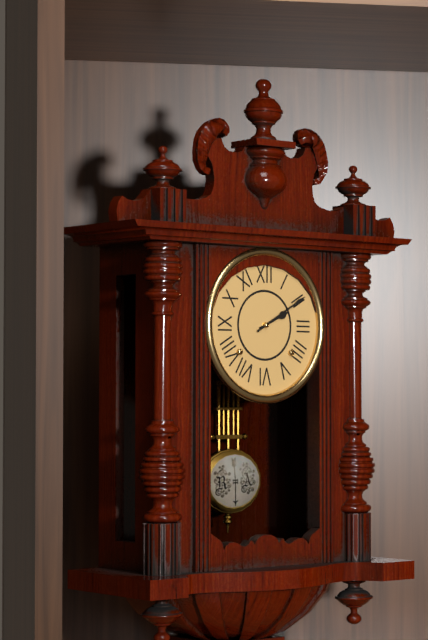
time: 2:10
